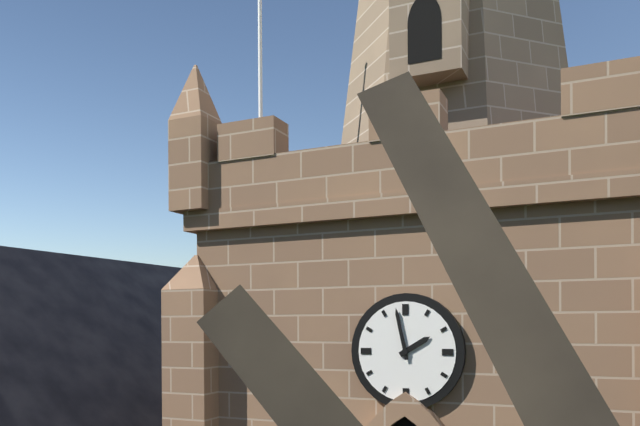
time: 1:58
